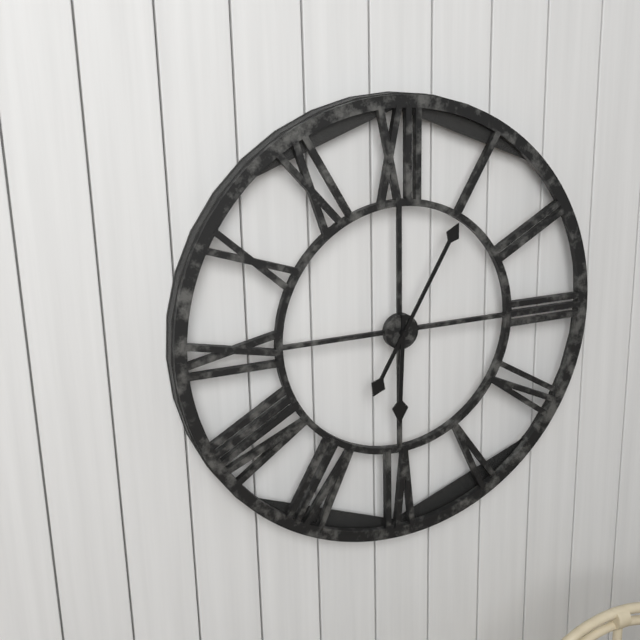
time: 6:05
